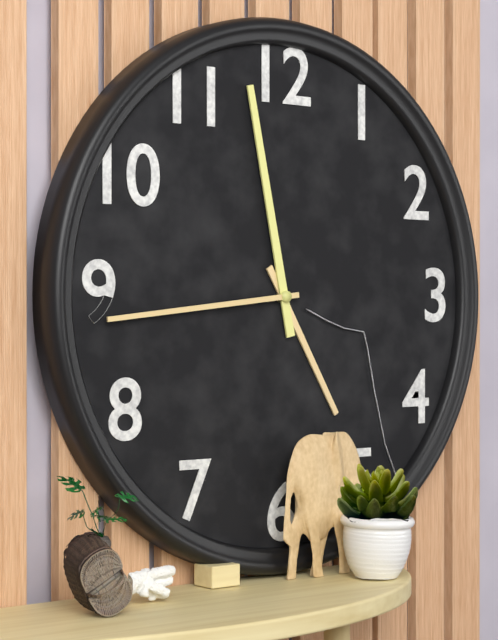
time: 4:58:44
